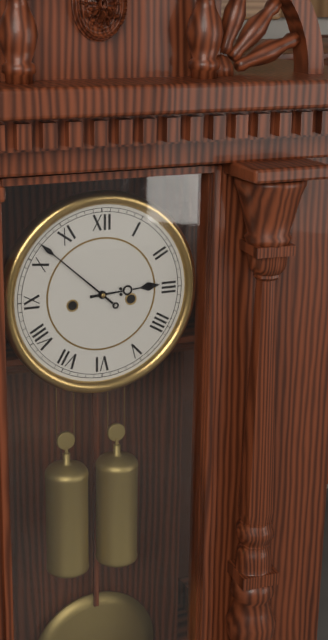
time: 2:52
